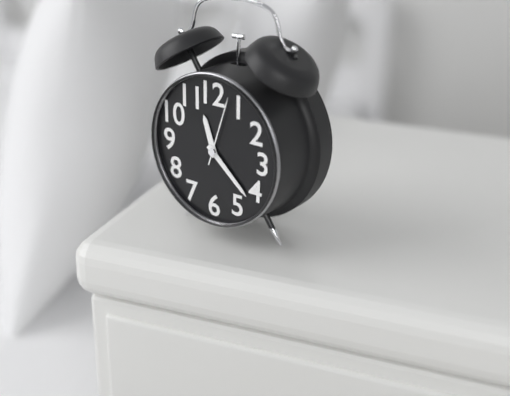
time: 11:22:03
